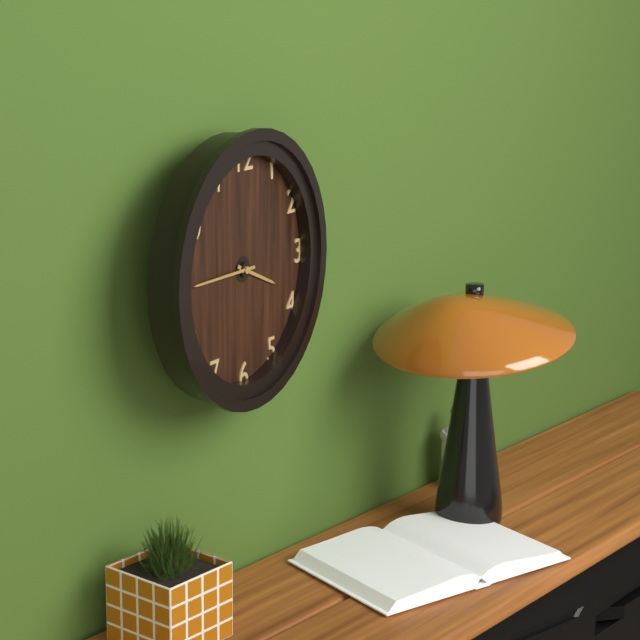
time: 3:45
